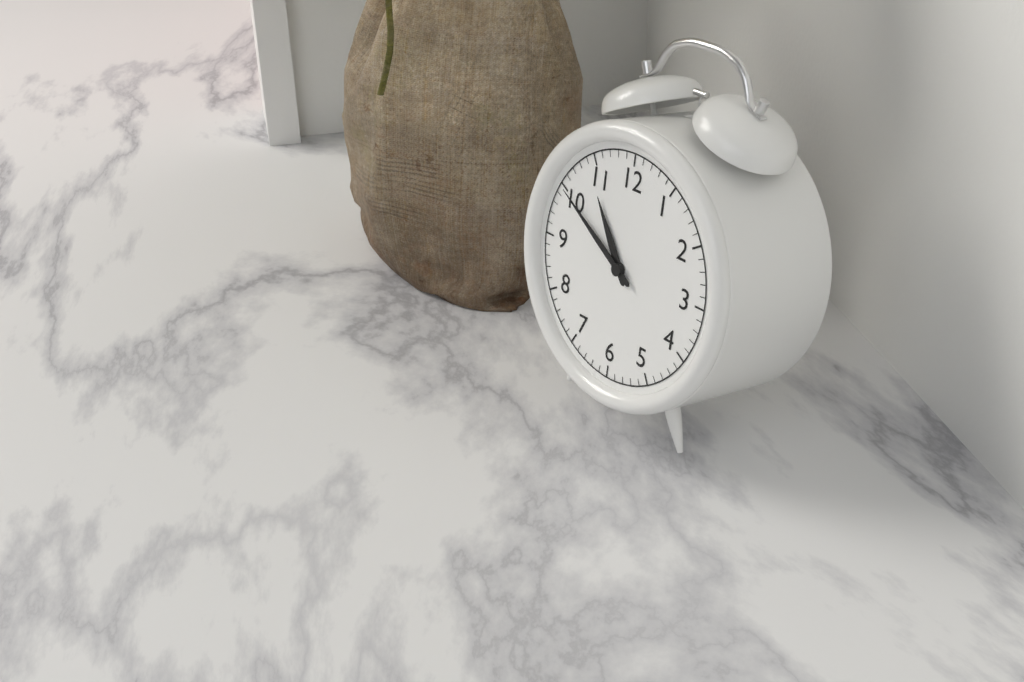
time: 10:50
